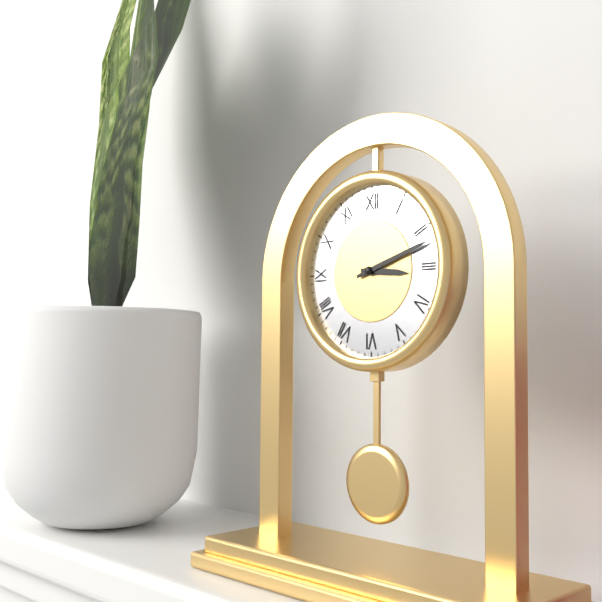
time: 3:12
